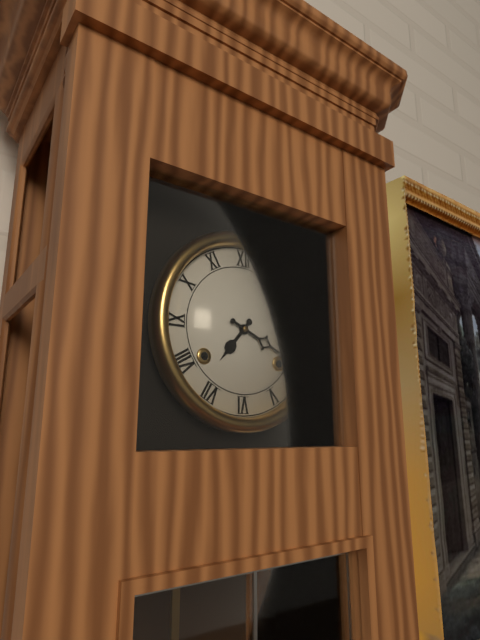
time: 7:19
